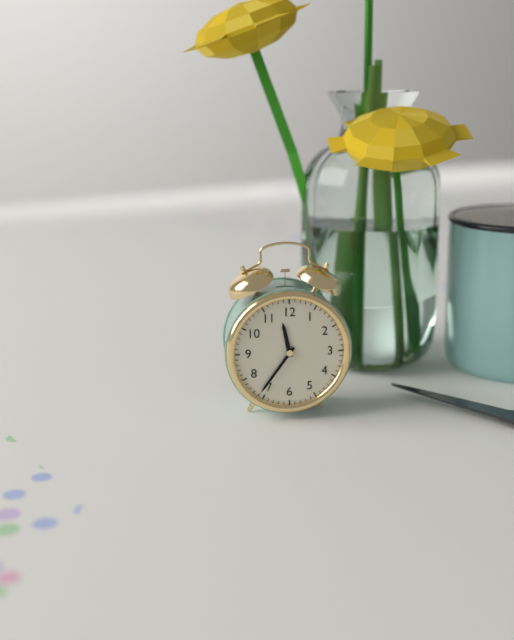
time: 11:36
